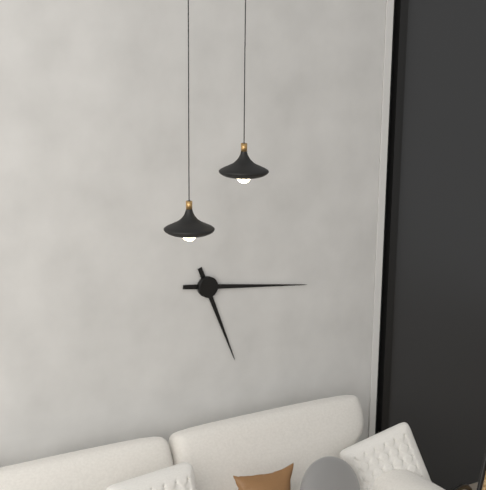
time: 5:16
